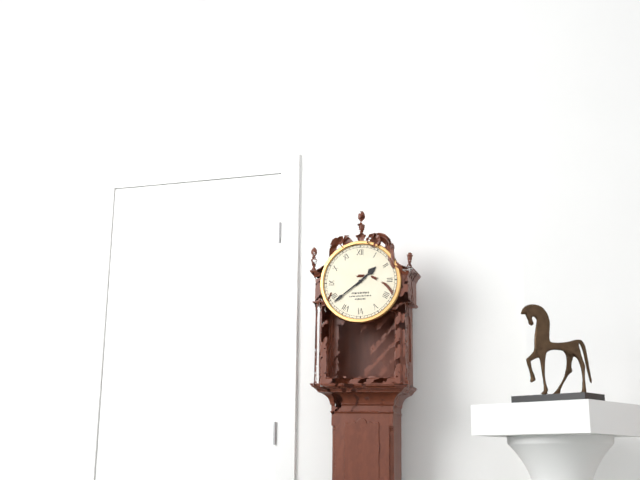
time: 1:39
